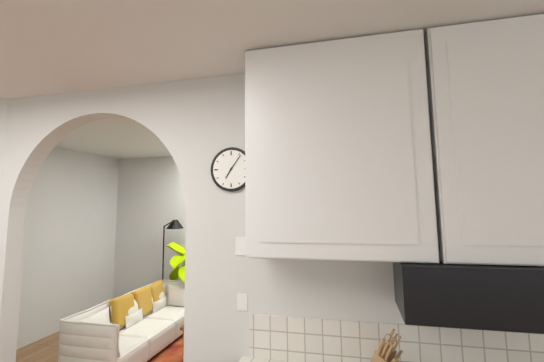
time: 7:06
